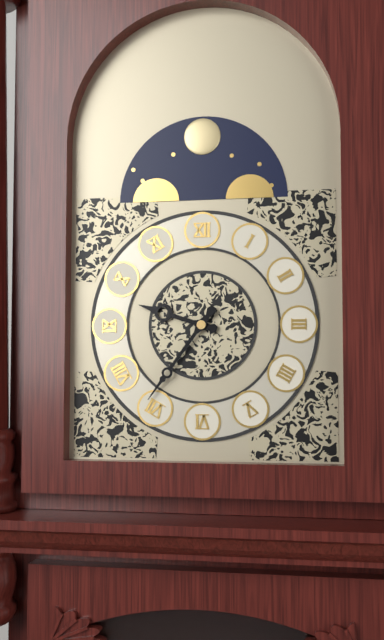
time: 9:36
